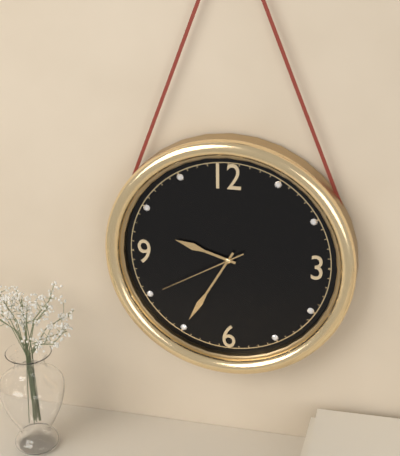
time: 9:35:40
